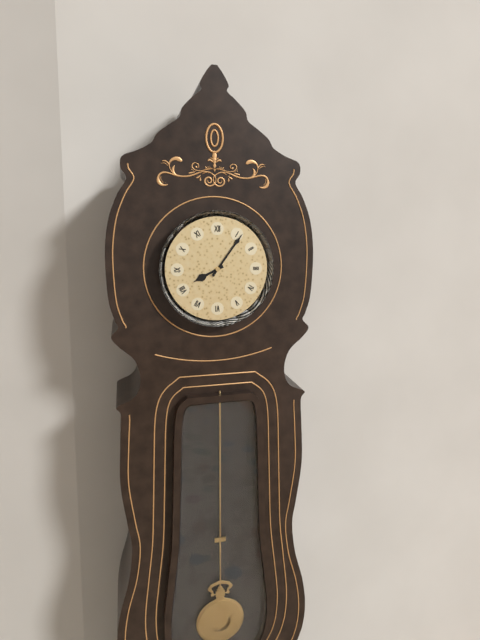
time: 8:06
